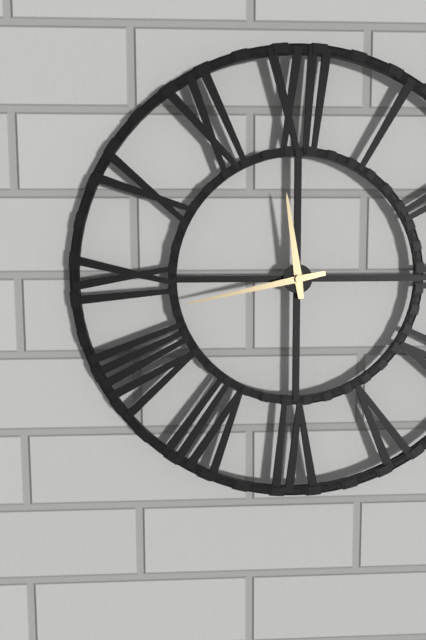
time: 11:43
